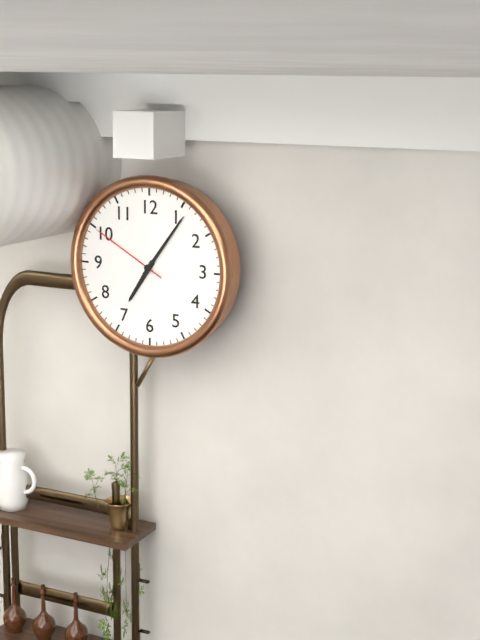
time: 7:06:50
